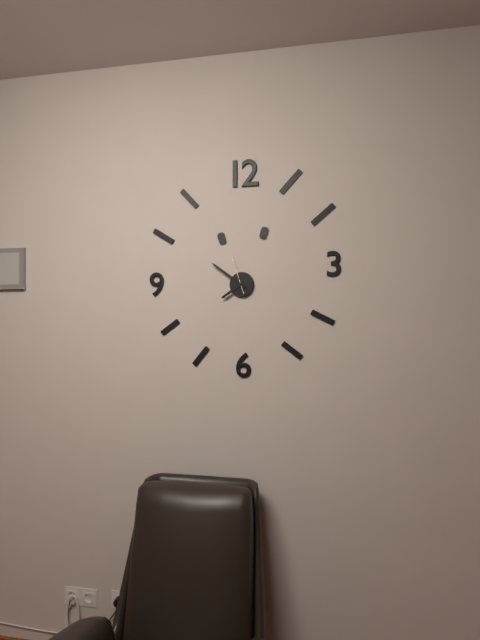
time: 7:51
